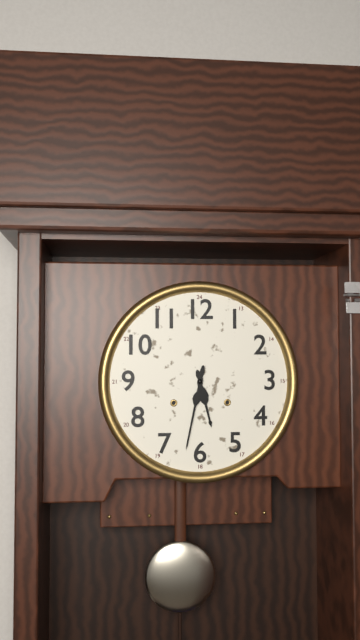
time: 5:32
